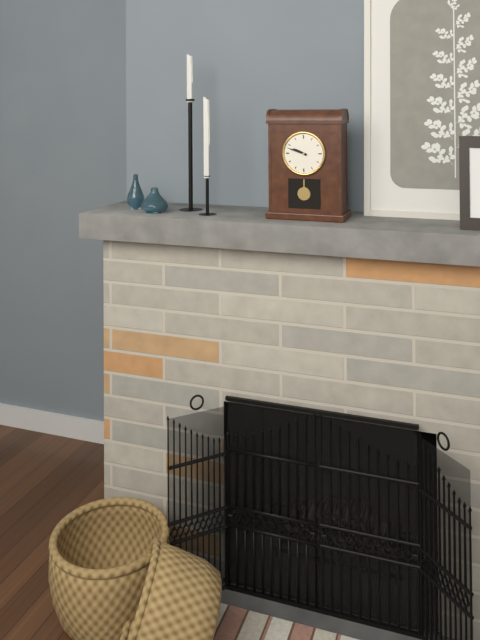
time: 9:48
